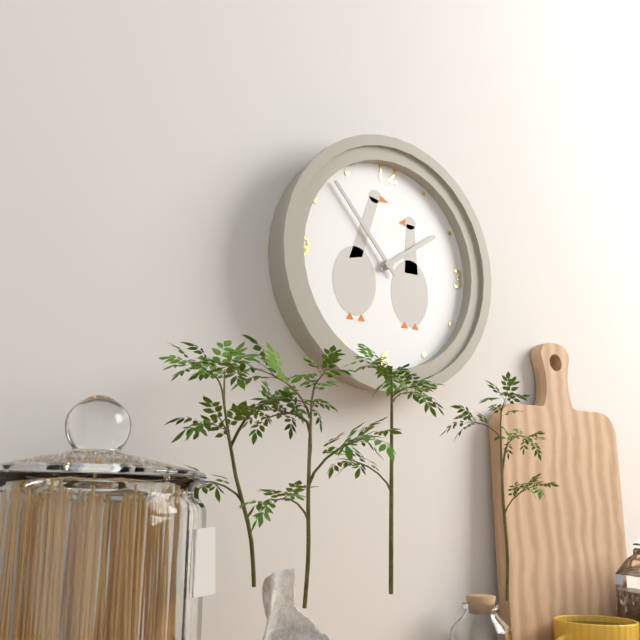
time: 1:53
